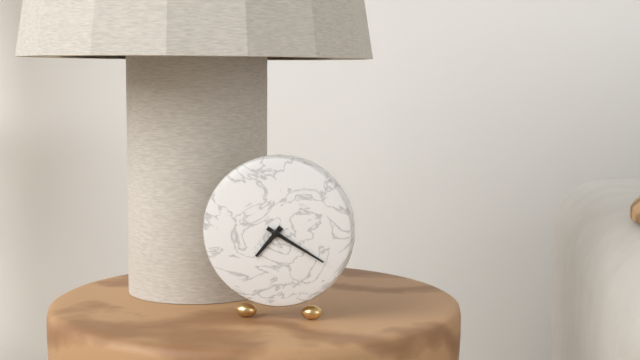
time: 7:20
